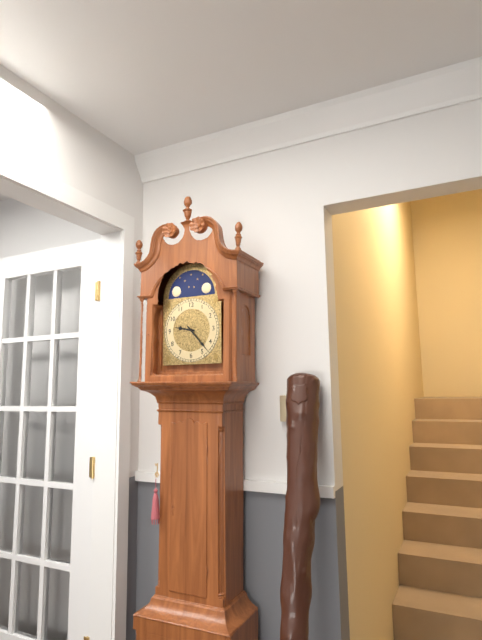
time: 9:23
